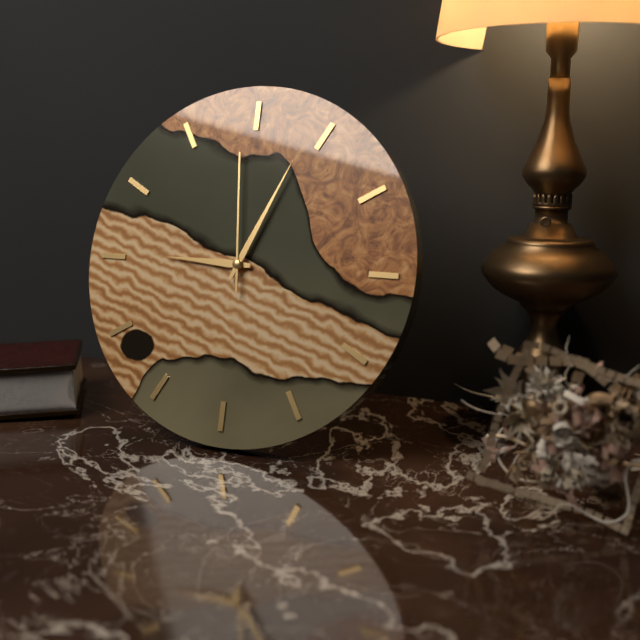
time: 9:04:59
